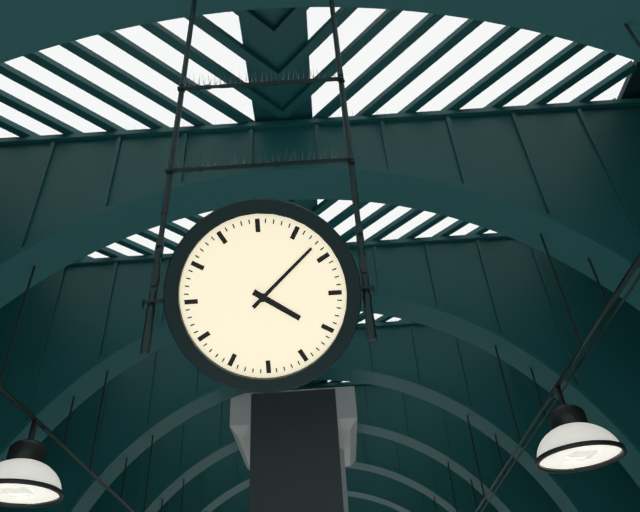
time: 4:08
